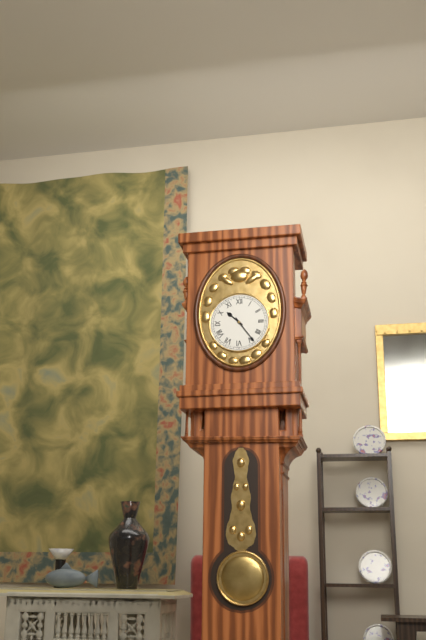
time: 10:24
